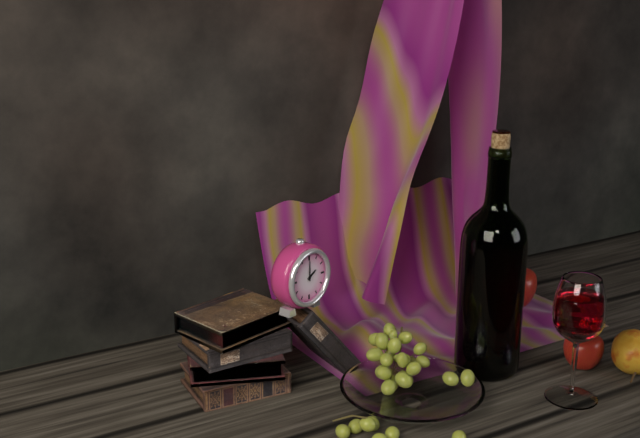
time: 2:00
